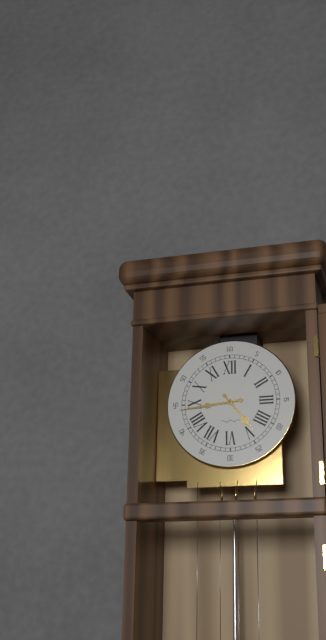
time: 4:44
